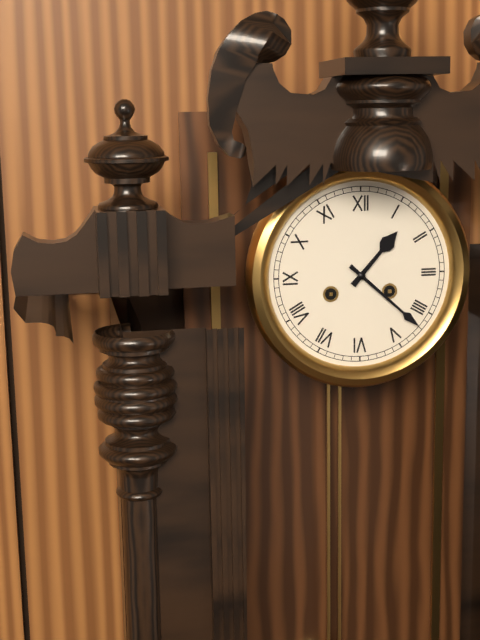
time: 1:22
